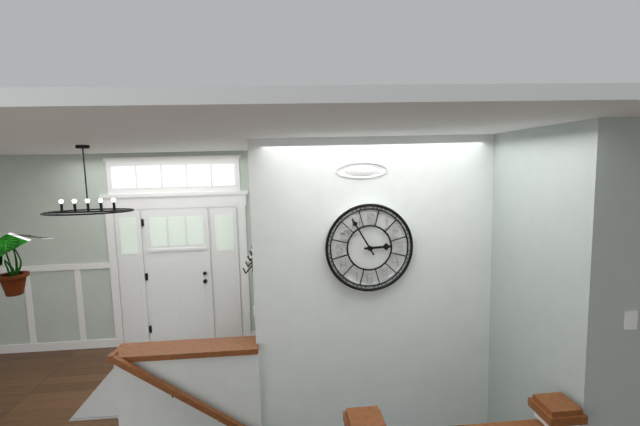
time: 2:55
